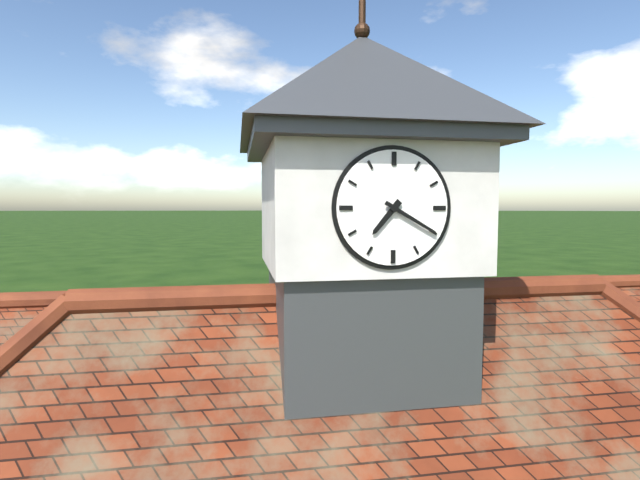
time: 7:20
